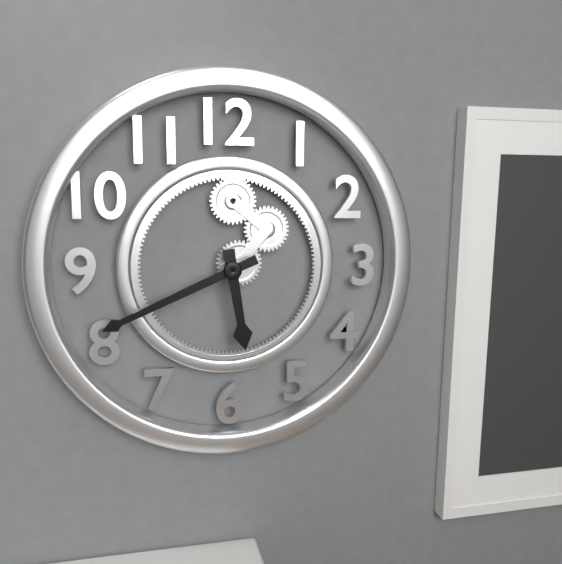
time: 5:41
